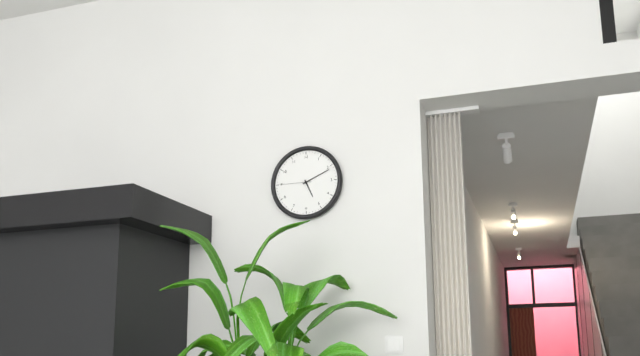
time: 5:11
